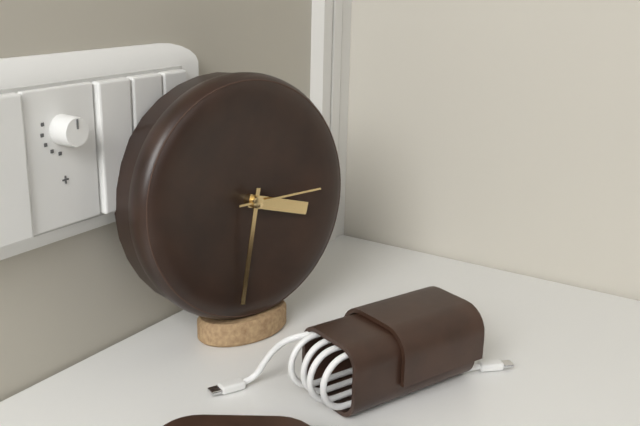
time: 3:32:15
